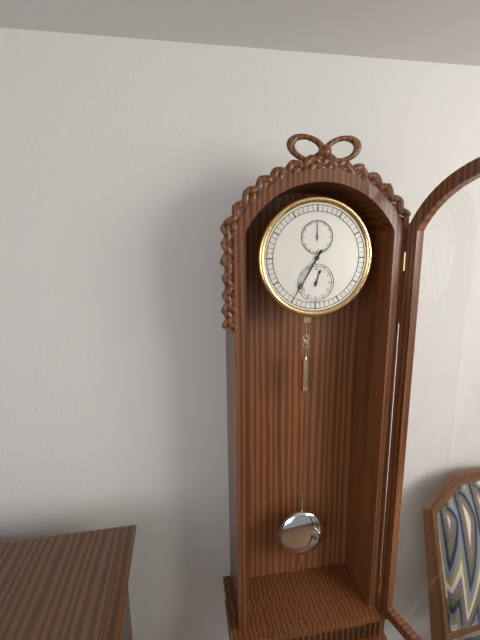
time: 12:35
